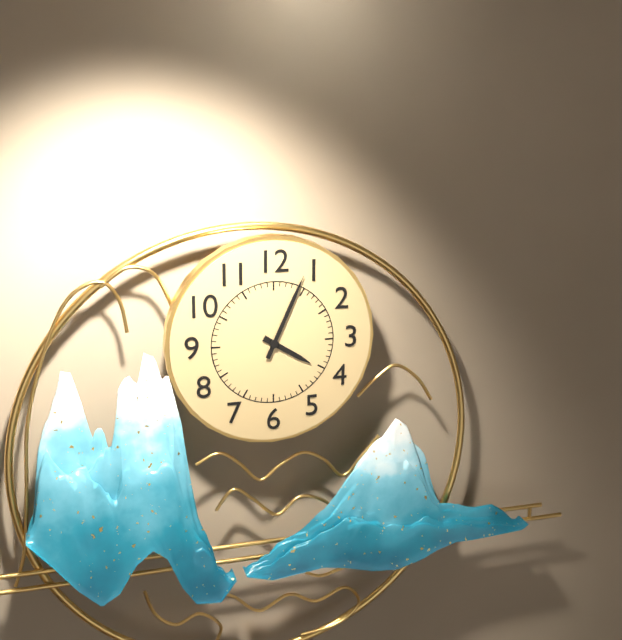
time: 4:04
